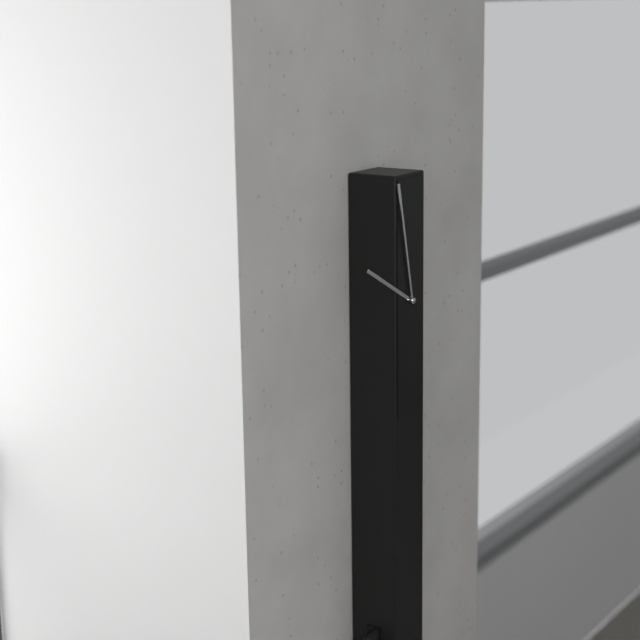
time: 9:58
